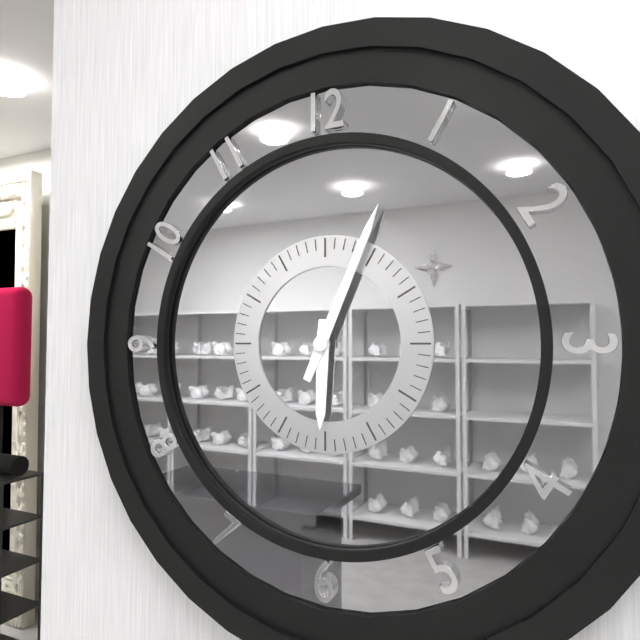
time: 6:04
